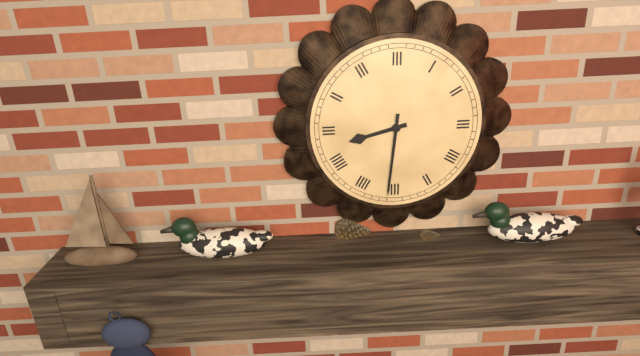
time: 8:31
